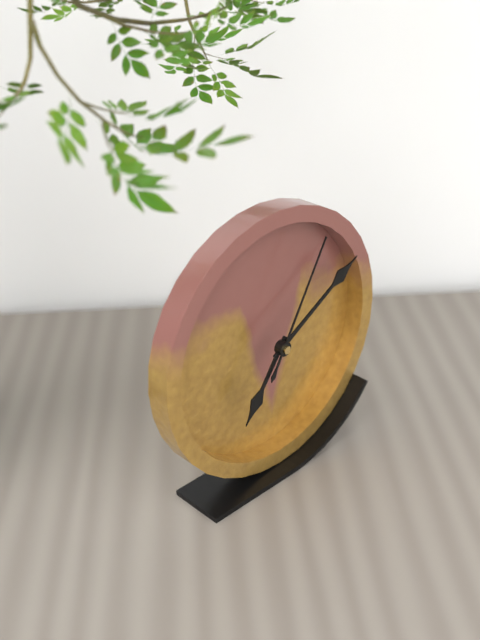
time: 7:10:05
